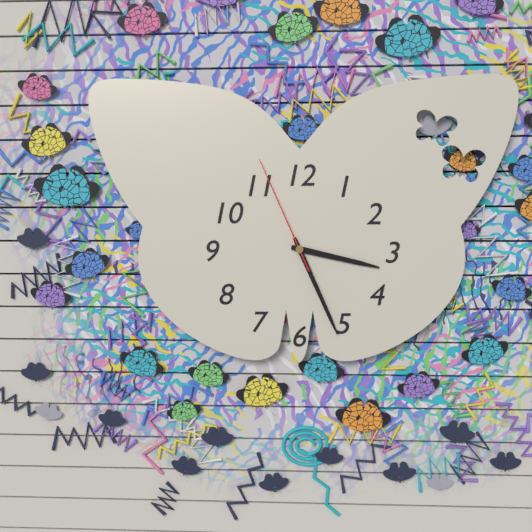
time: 3:26:56
